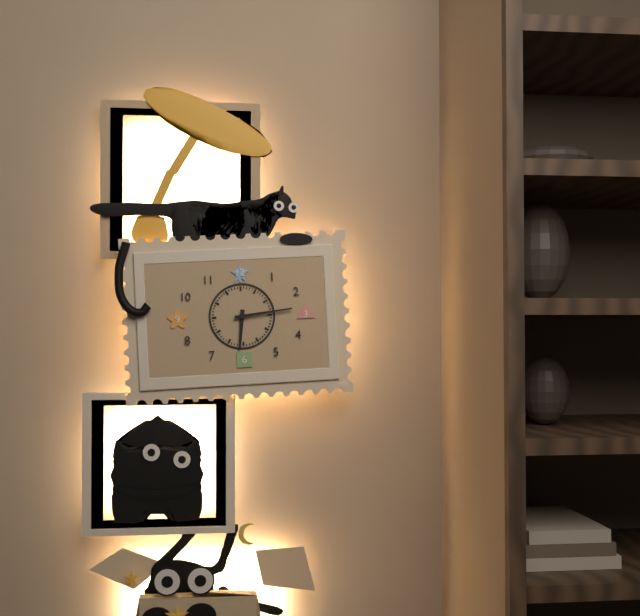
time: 6:14
